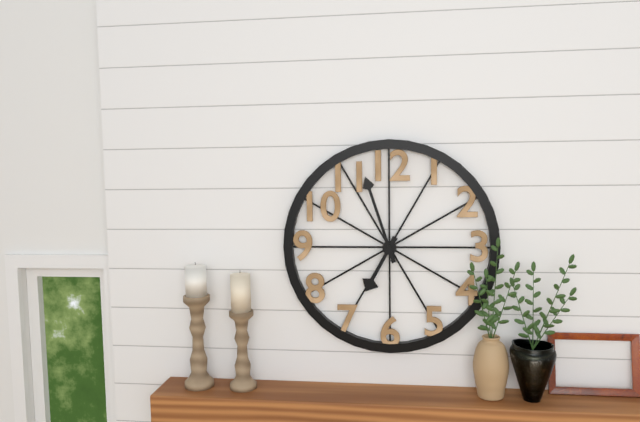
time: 6:57
